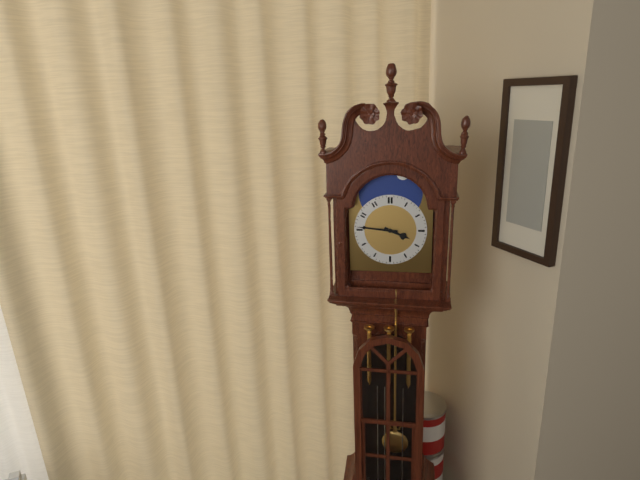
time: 3:46
